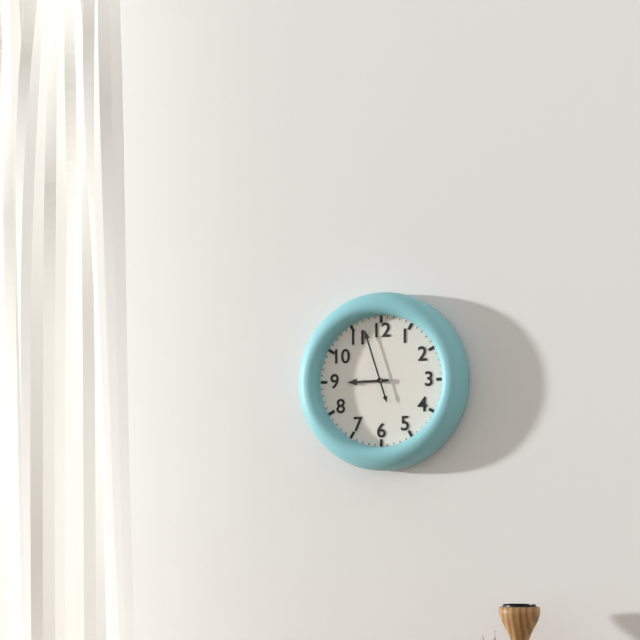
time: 8:57
